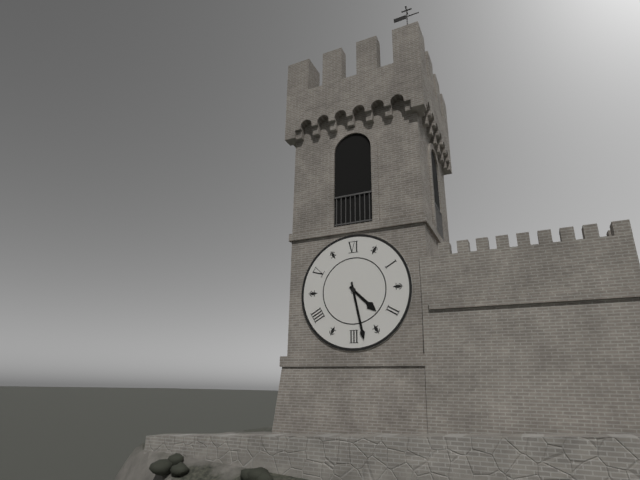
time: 4:28
